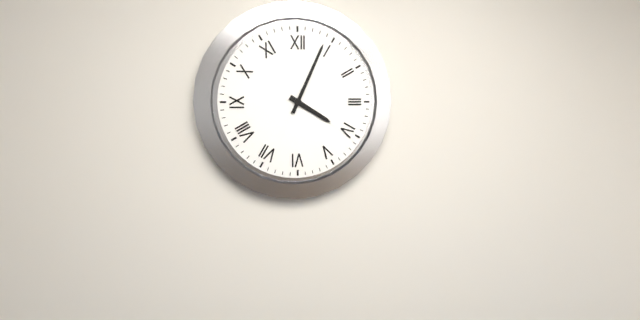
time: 4:04
